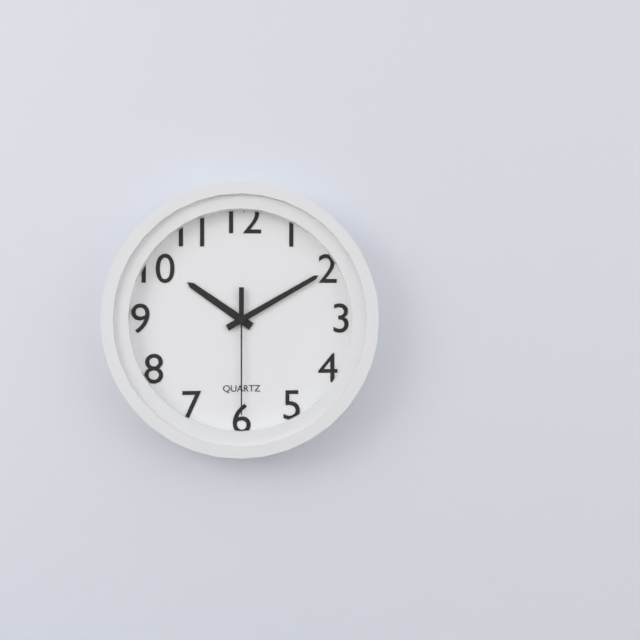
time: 10:10:30
